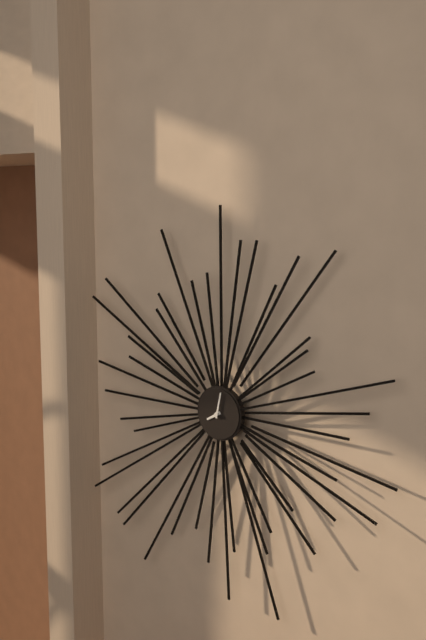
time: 8:02
